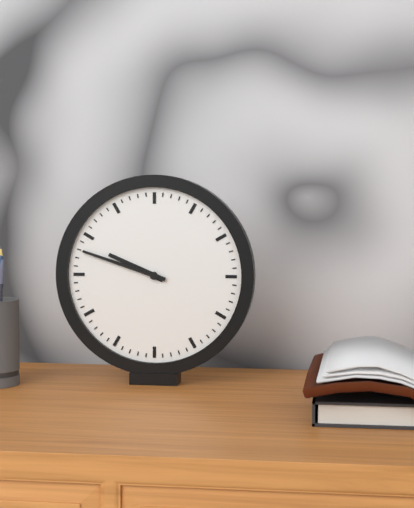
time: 9:48
